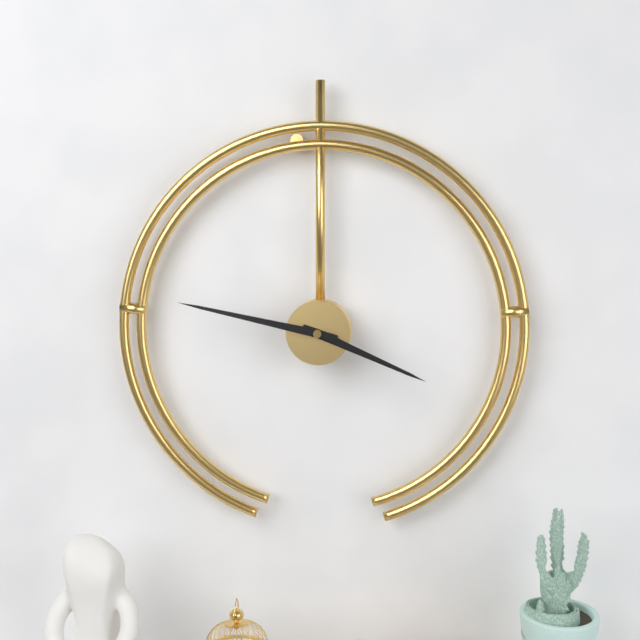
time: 3:47
